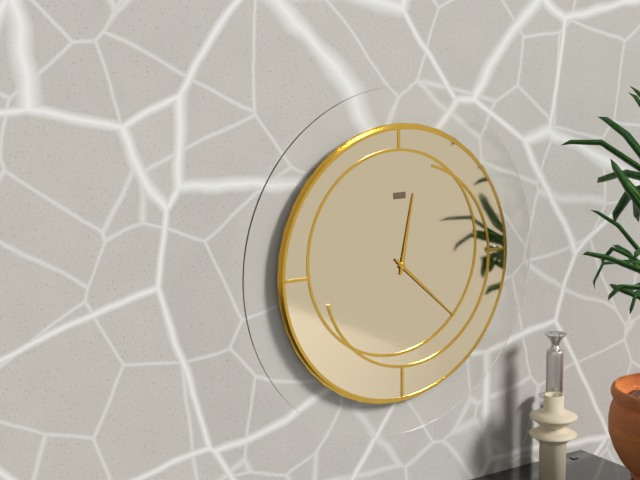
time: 12:22
